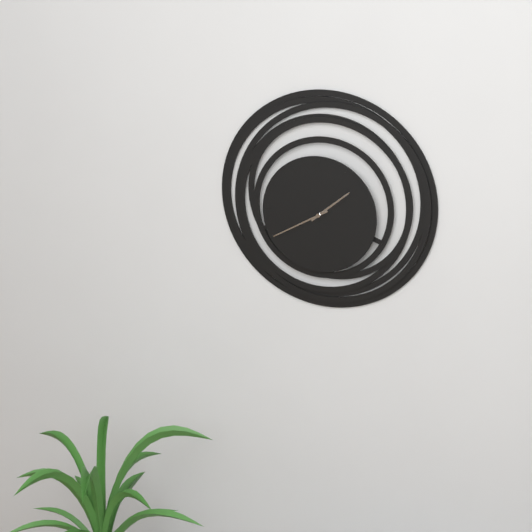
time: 1:40
